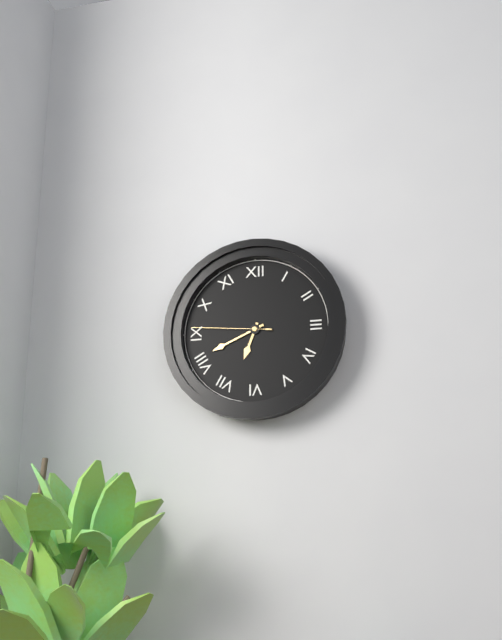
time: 6:41:46
